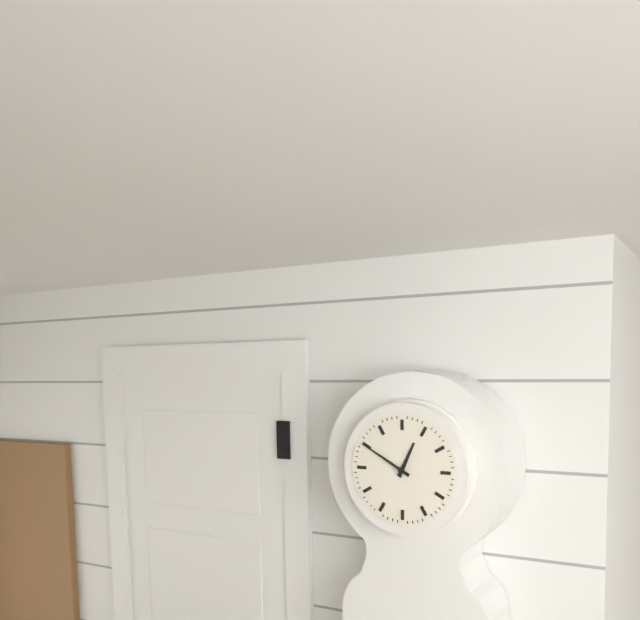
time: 12:50
